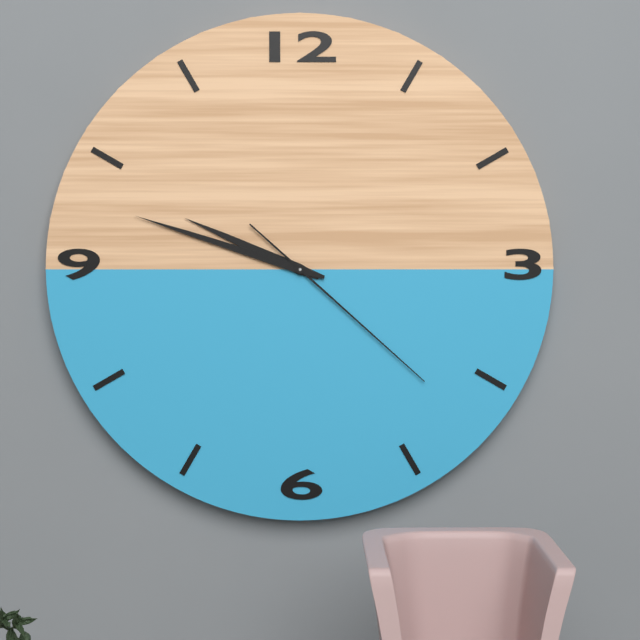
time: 9:48:22
